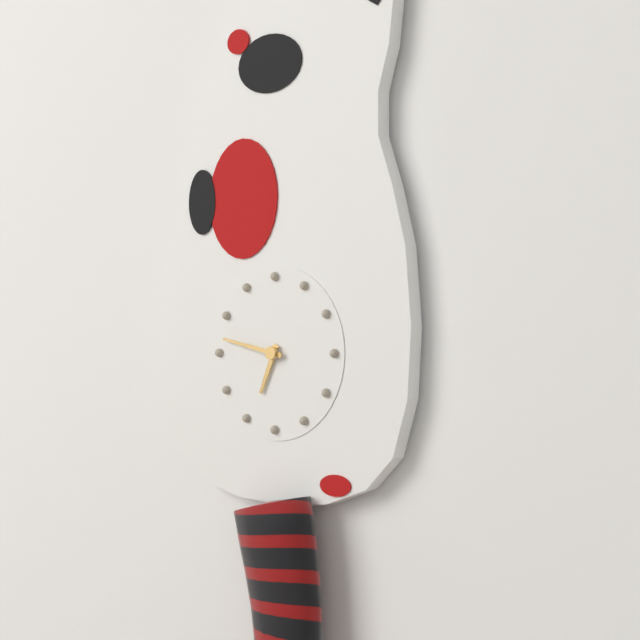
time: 6:47
